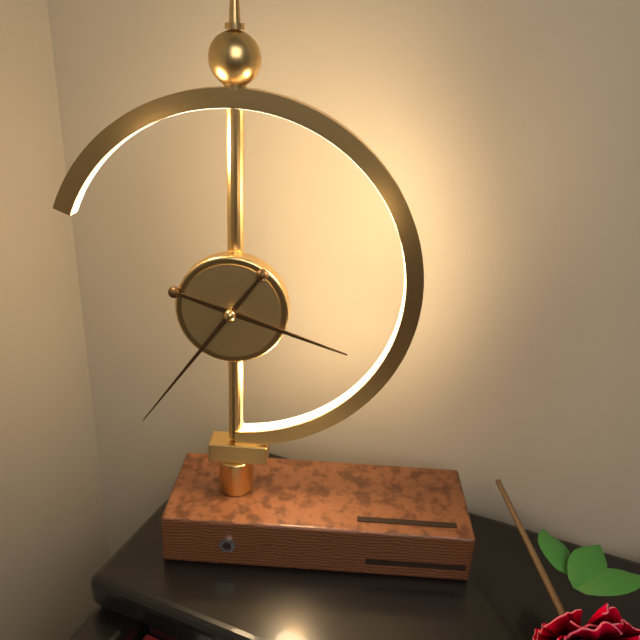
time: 3:36
